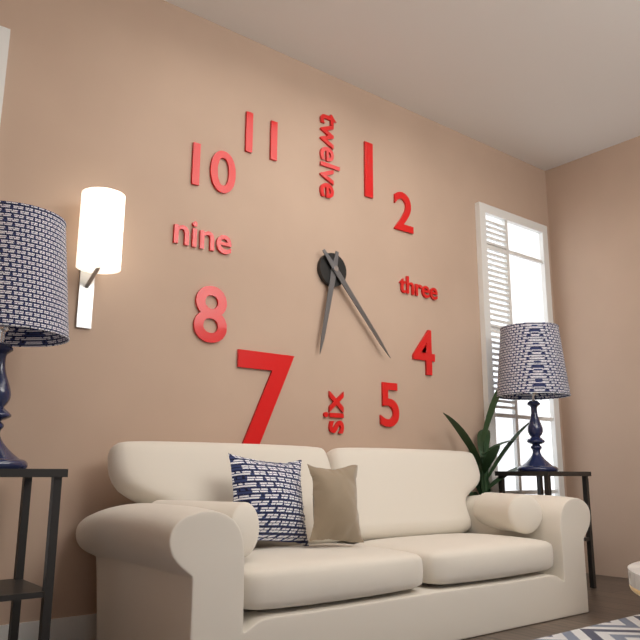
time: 6:23
